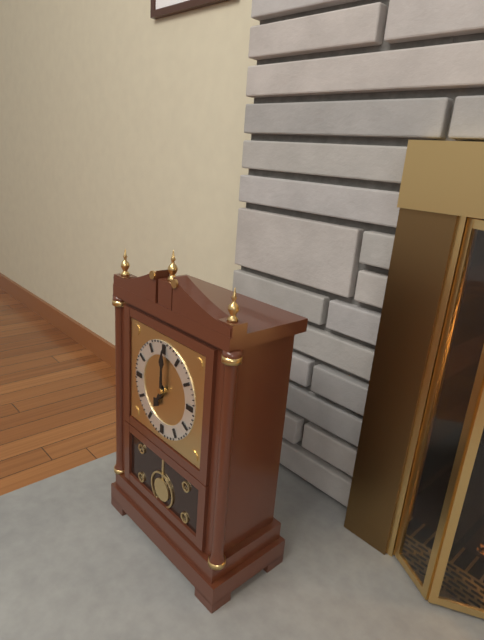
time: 7:00
